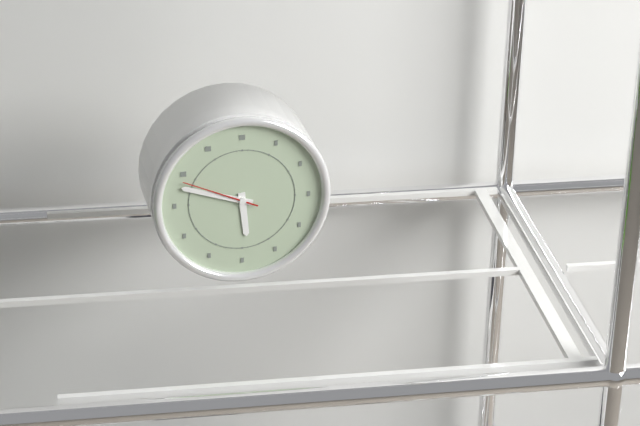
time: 5:48:49
